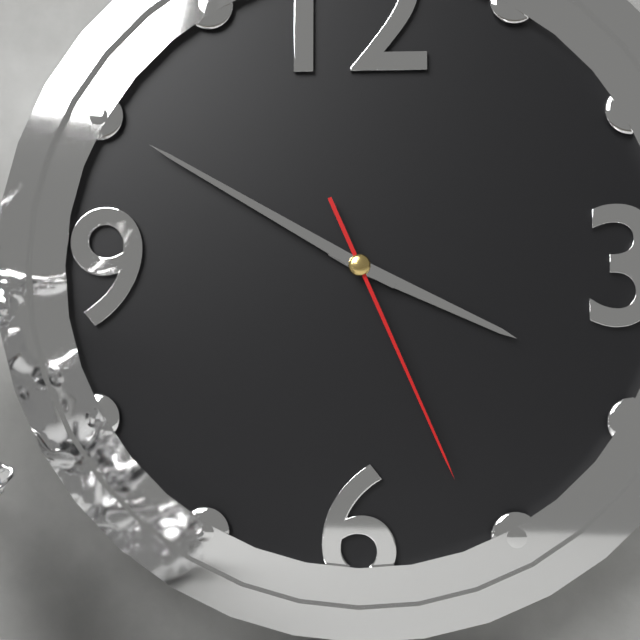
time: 3:50:26
